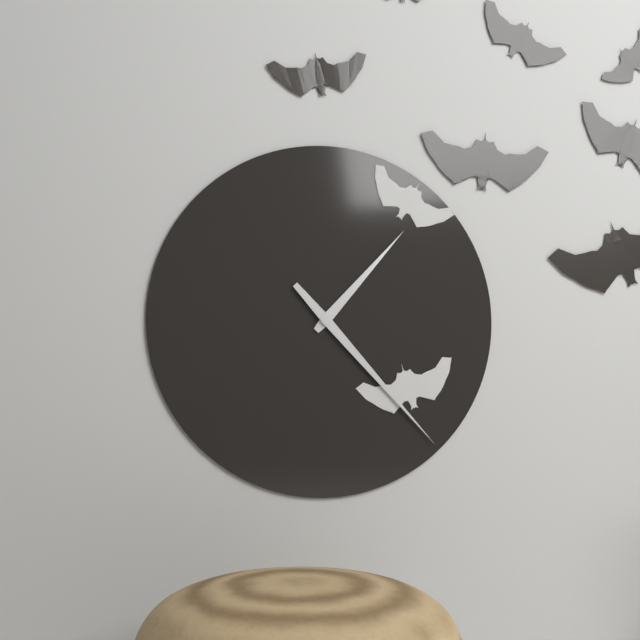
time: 1:23
